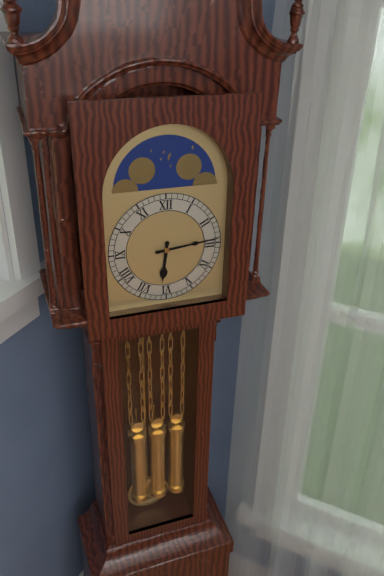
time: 6:14
